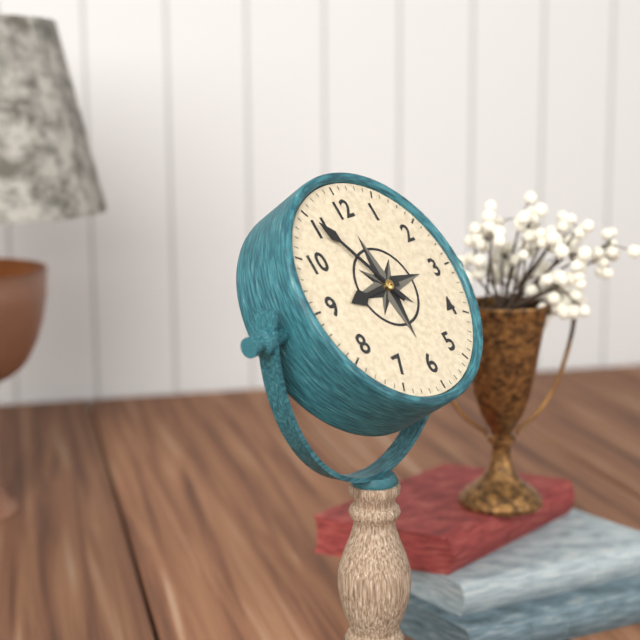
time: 8:55
